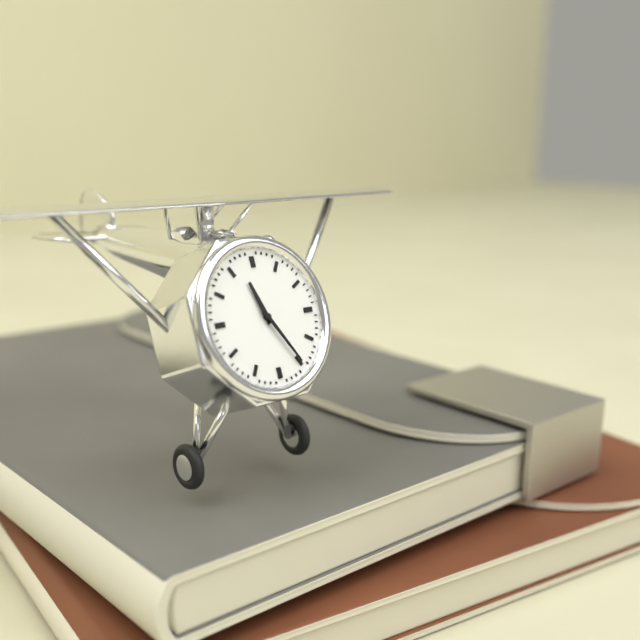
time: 11:25
